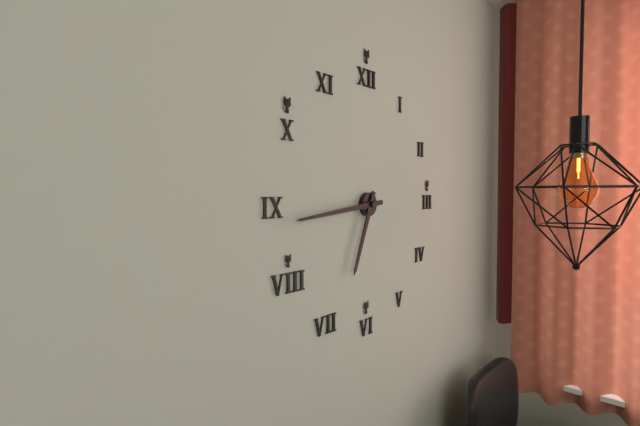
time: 6:44
